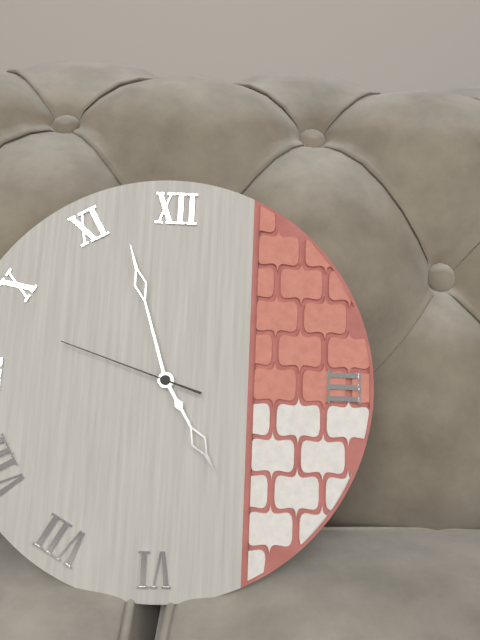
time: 4:57:48
